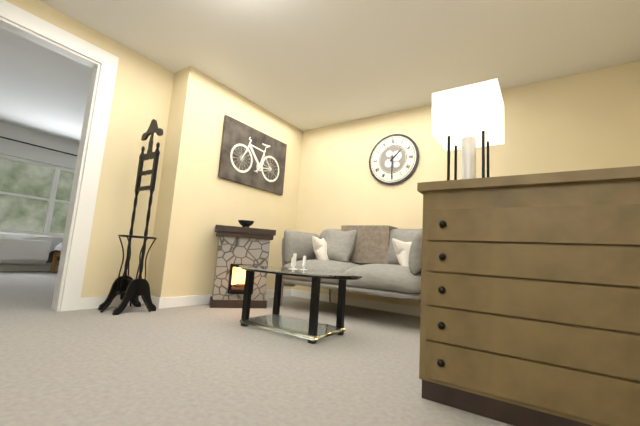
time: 1:30
